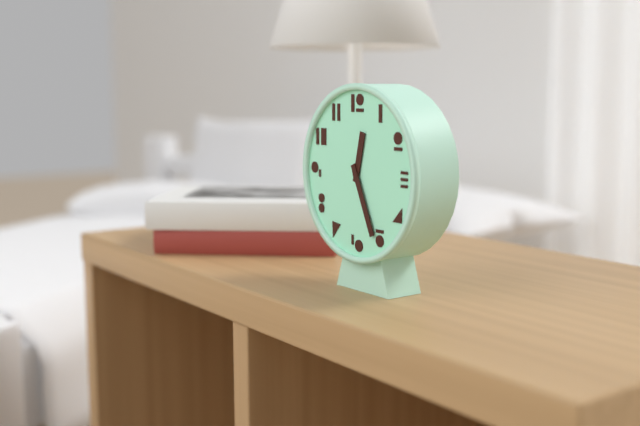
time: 12:26
